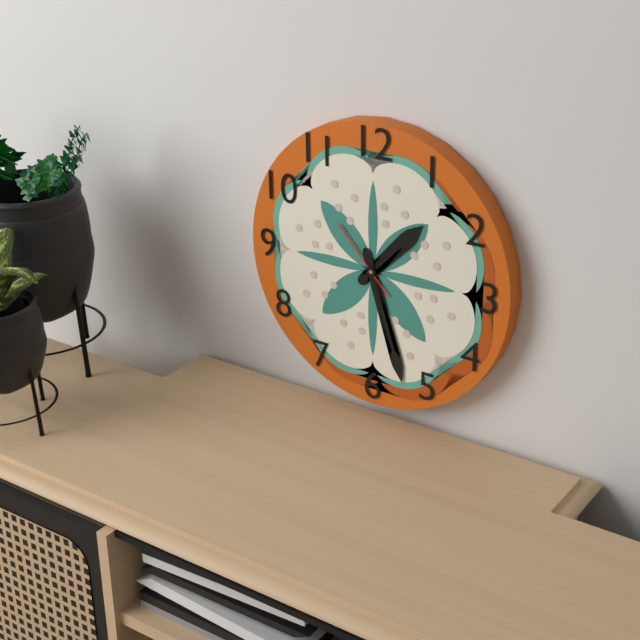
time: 1:27:53
